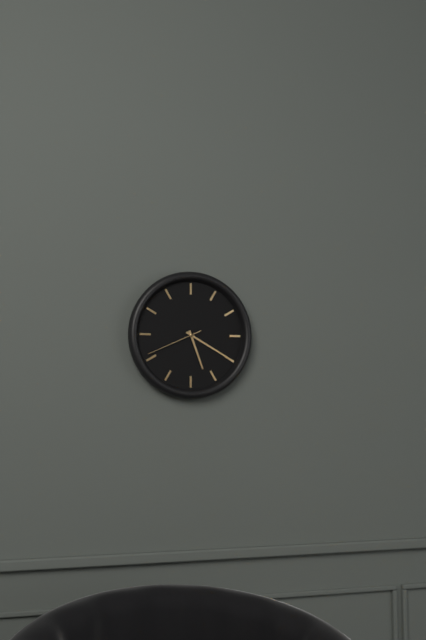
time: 5:20:41
